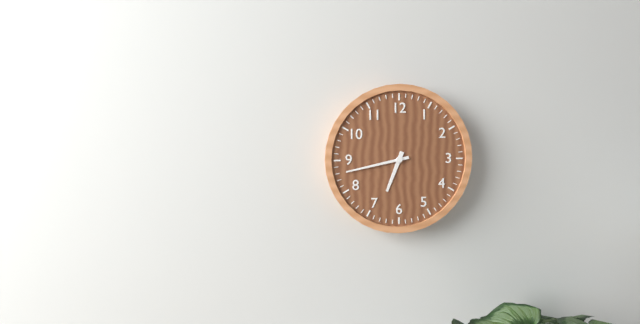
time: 6:43
